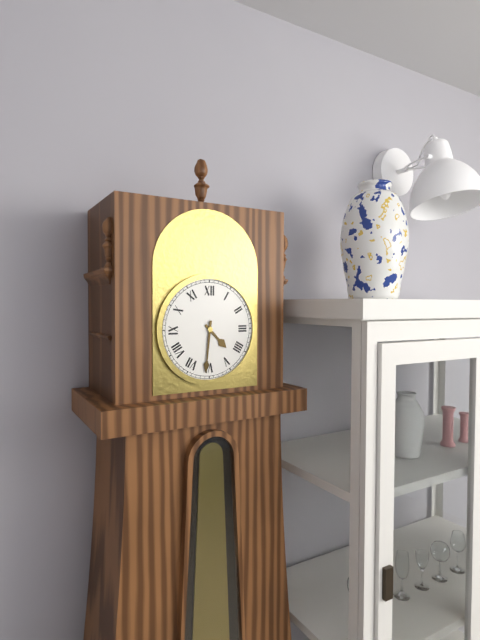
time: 4:31
